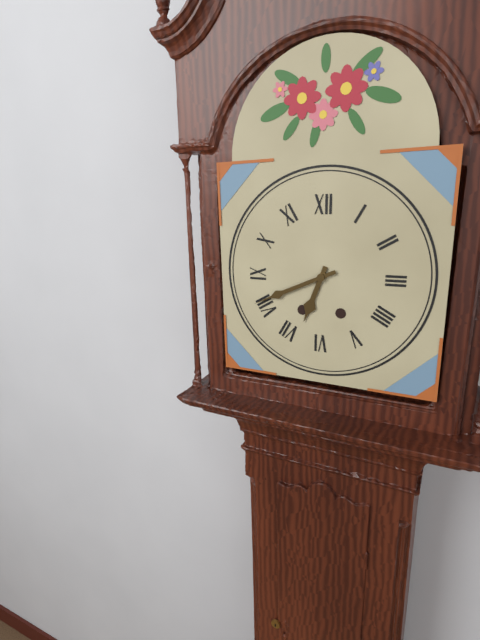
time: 6:41
